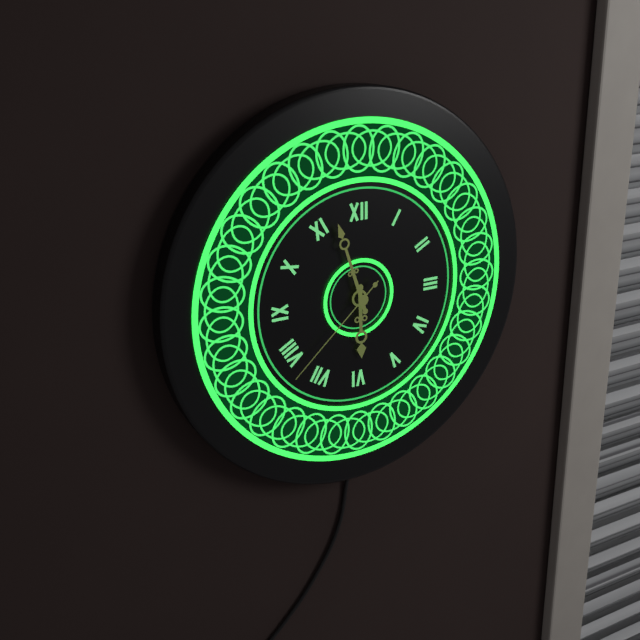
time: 5:57:38
